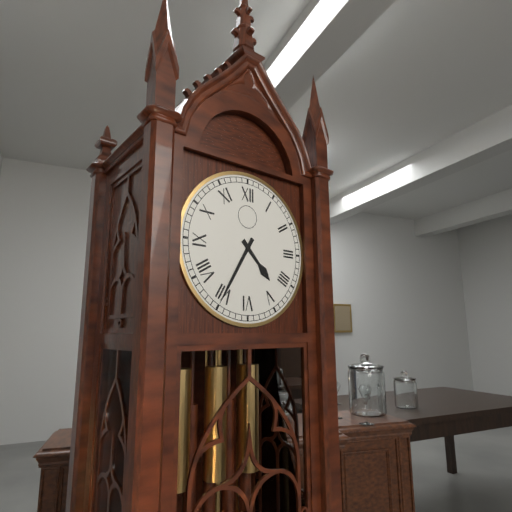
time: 4:35
